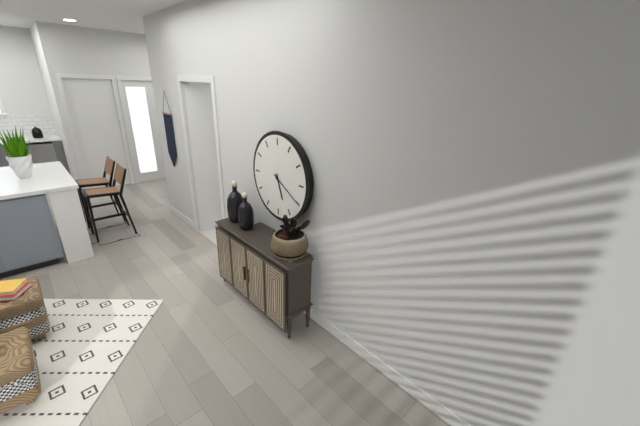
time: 5:20
